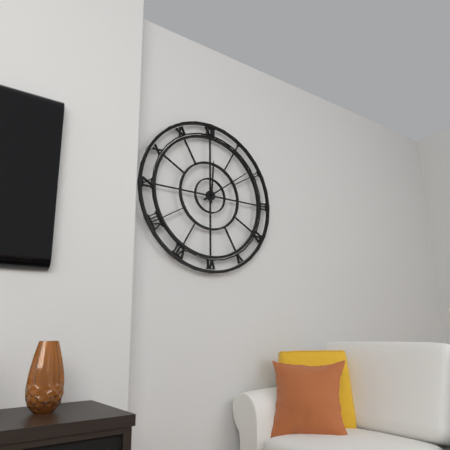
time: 12:09
